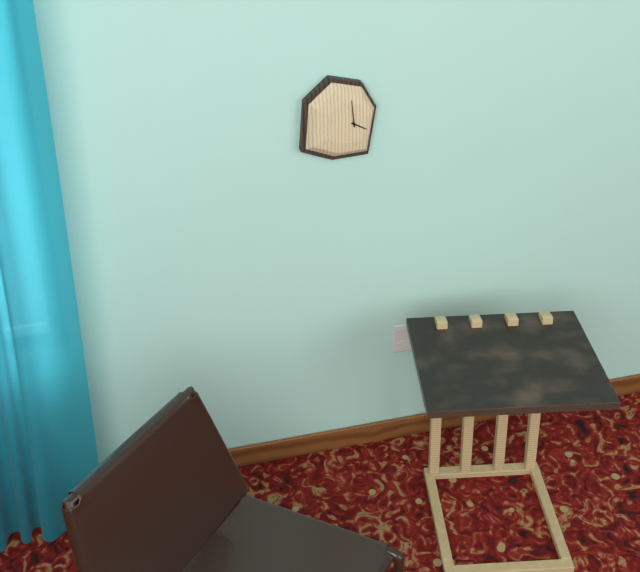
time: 3:59
